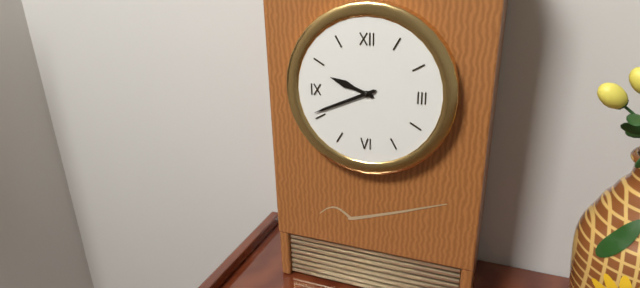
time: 9:41
